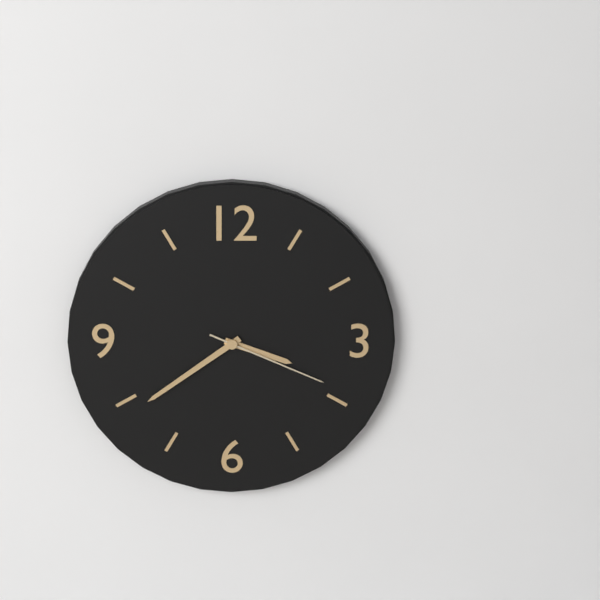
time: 3:39:19
